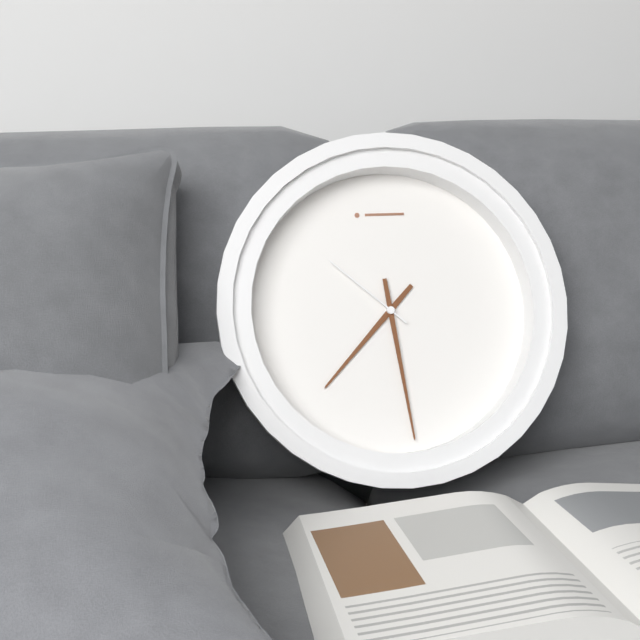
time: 7:29:52
